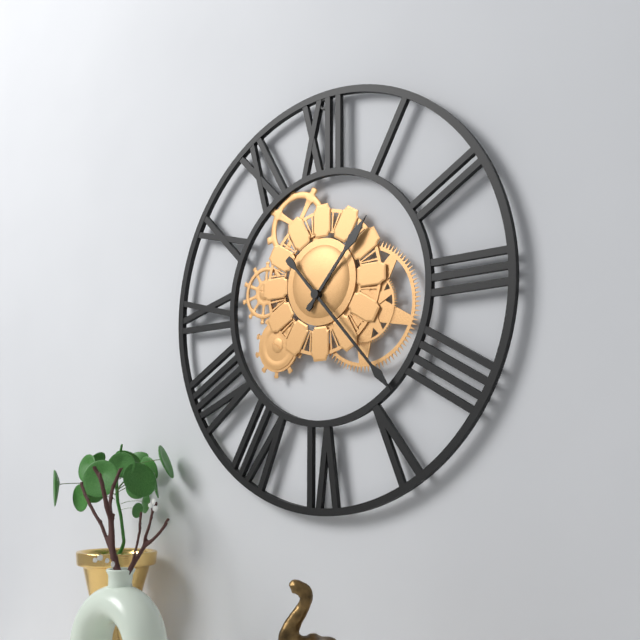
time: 1:23
